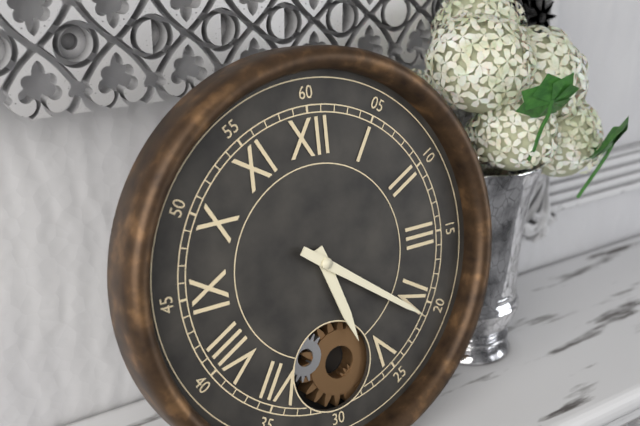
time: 5:21
